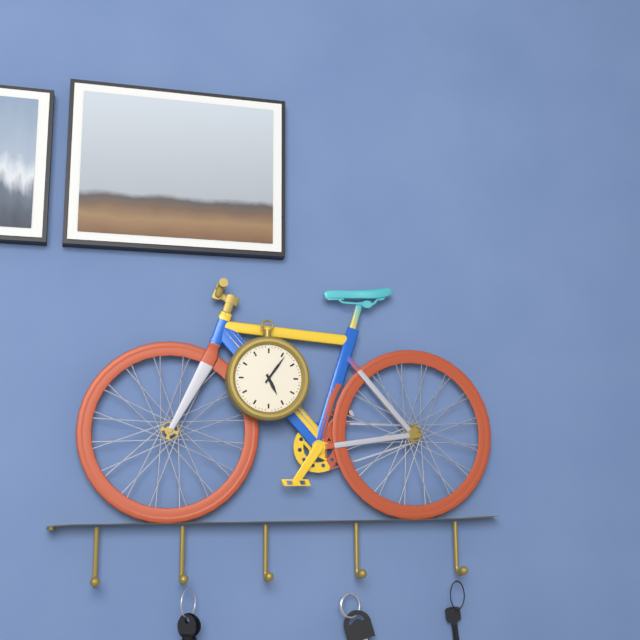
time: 5:06
